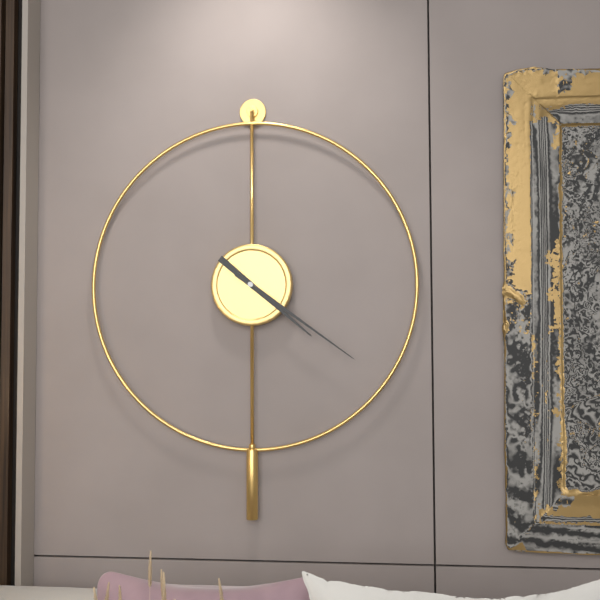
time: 4:21
